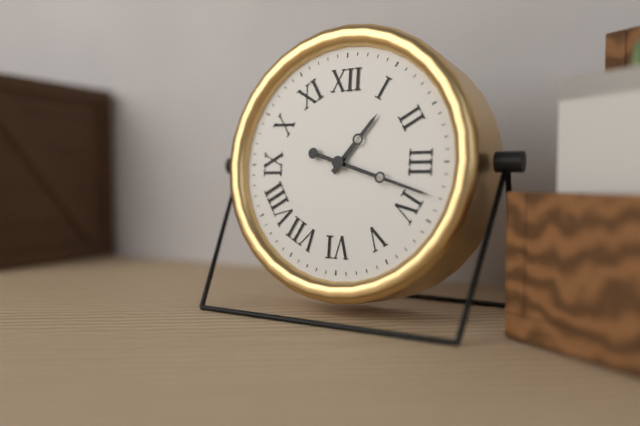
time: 1:18
